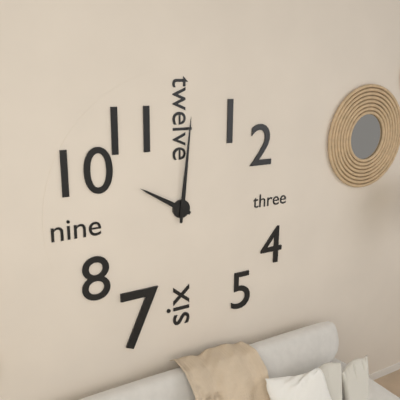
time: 10:01
